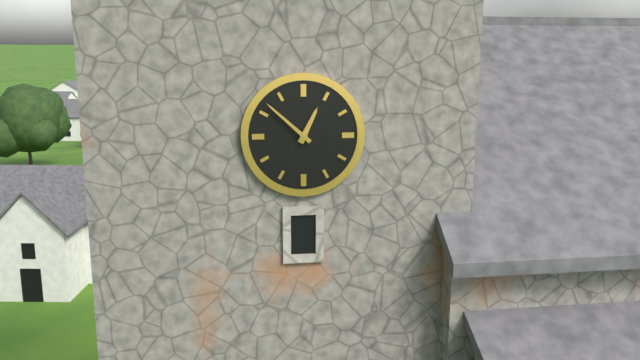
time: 12:52
